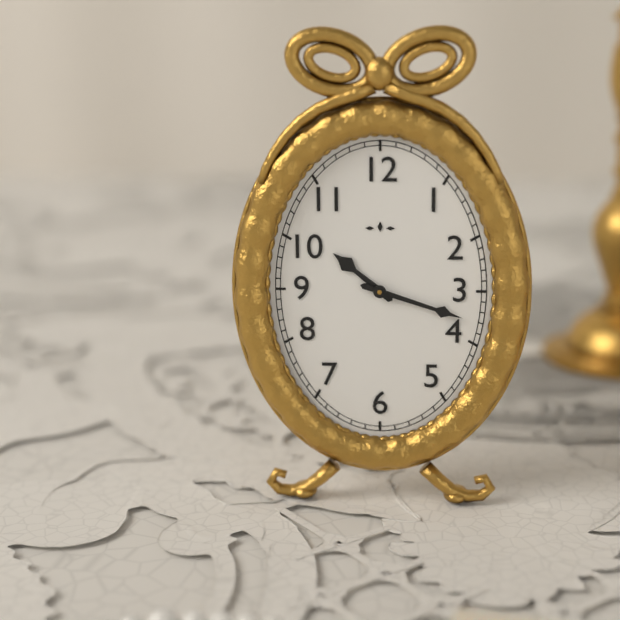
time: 10:18
